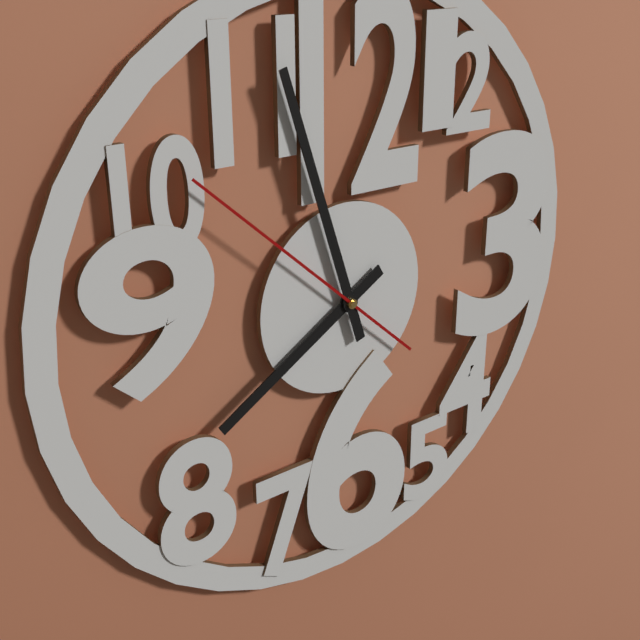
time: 7:57:52
